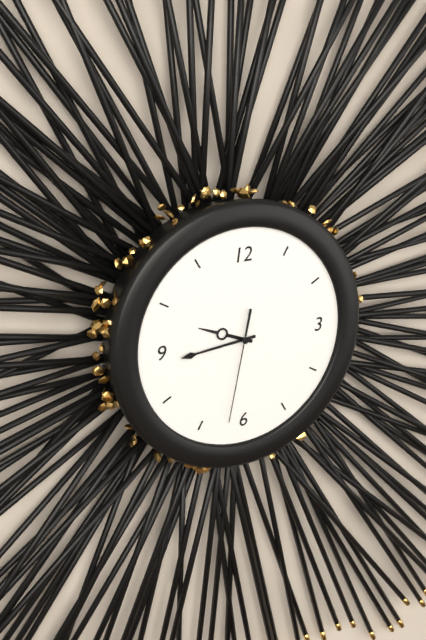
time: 9:44:32
